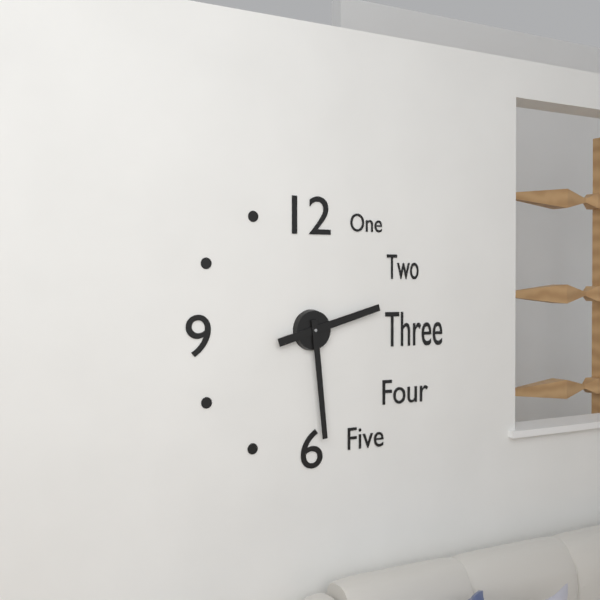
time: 2:29
